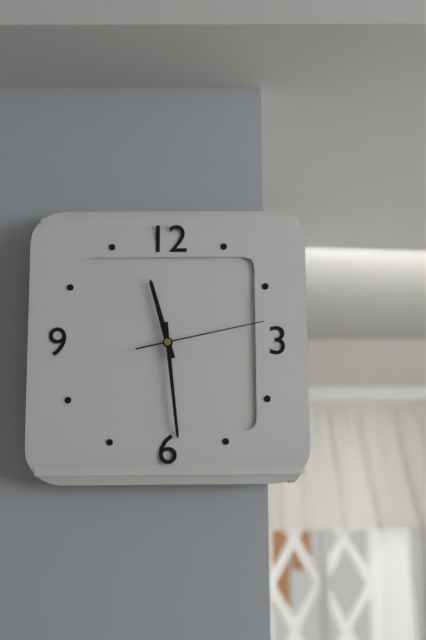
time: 11:29:13
